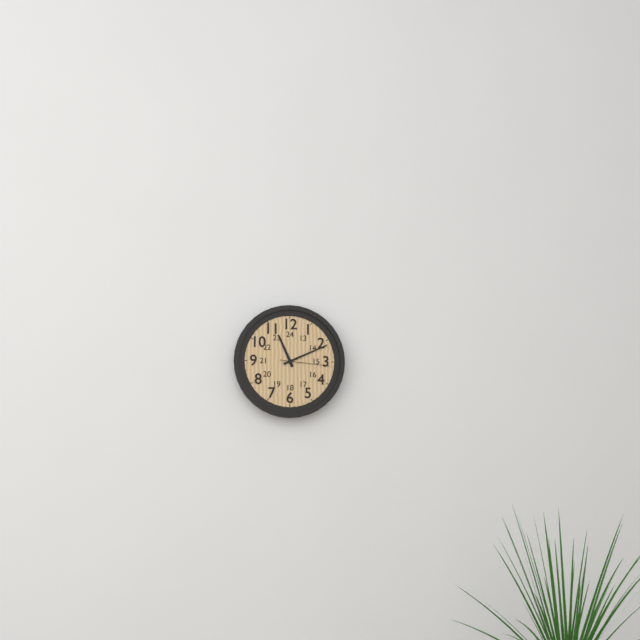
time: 11:11:16
